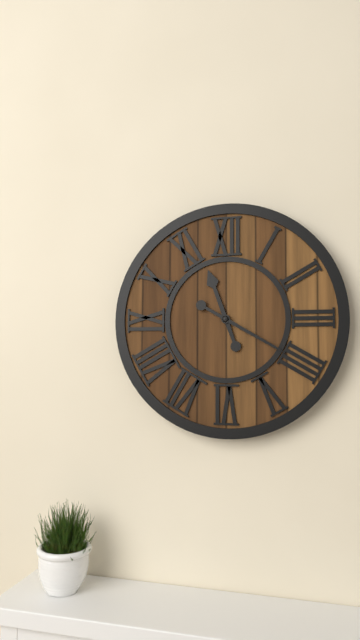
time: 11:20
